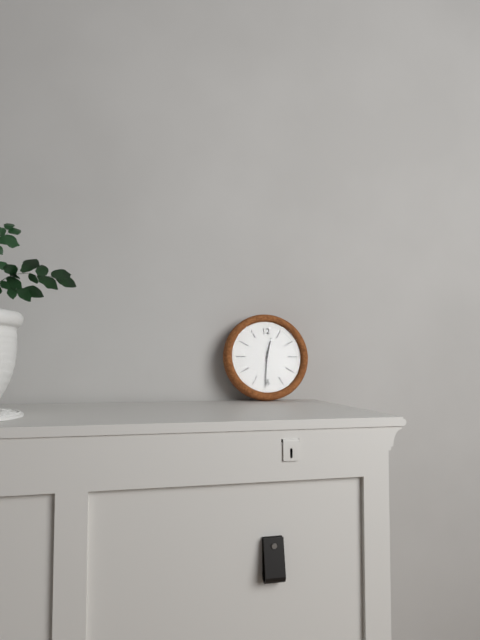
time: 12:31
